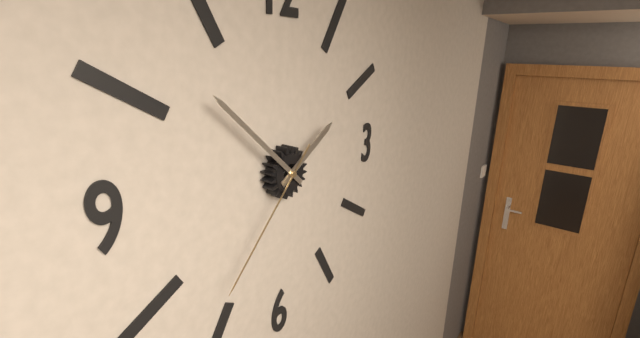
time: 1:52:37
